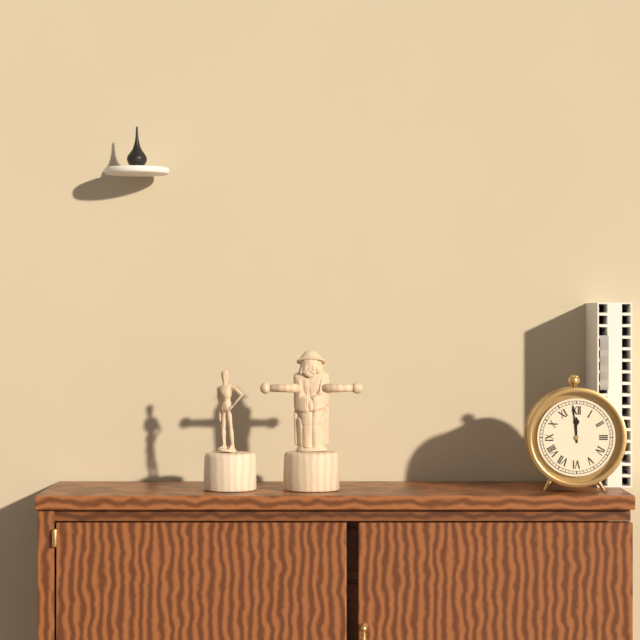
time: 11:59
